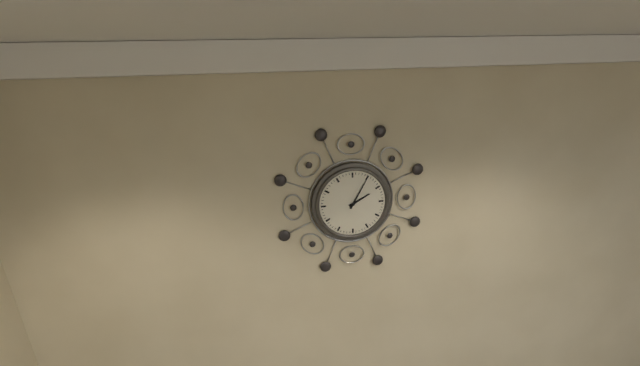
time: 2:05
